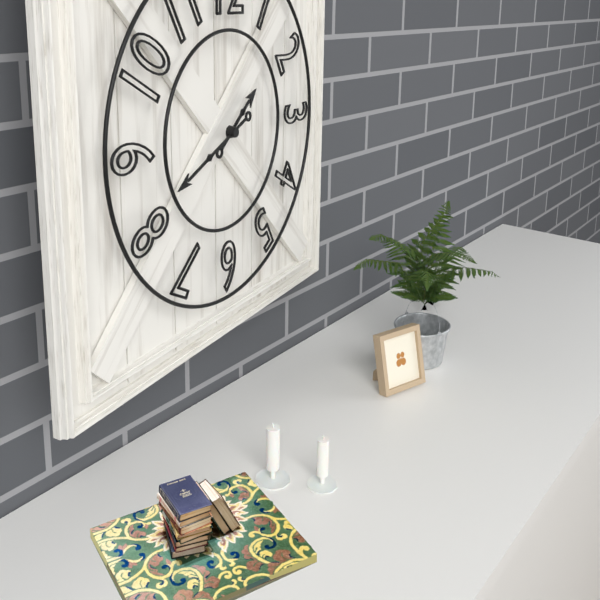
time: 1:41
